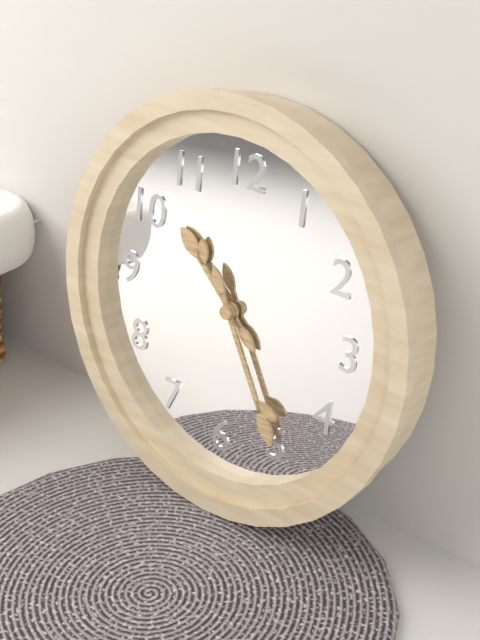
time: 10:25
